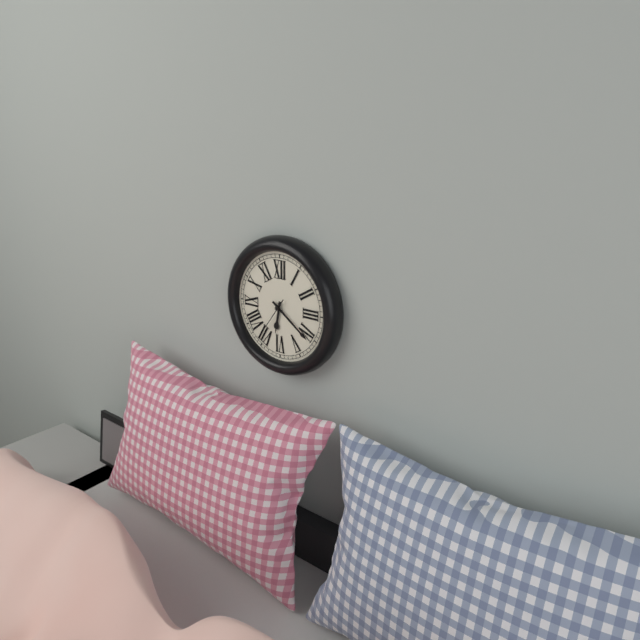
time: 6:21:36
